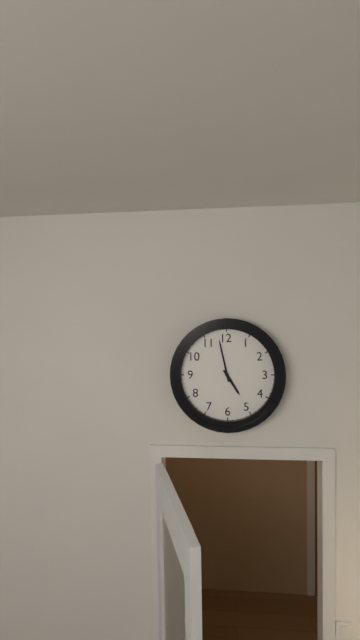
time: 4:58
